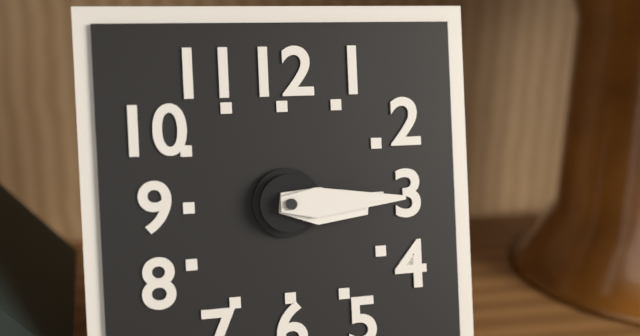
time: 3:15
